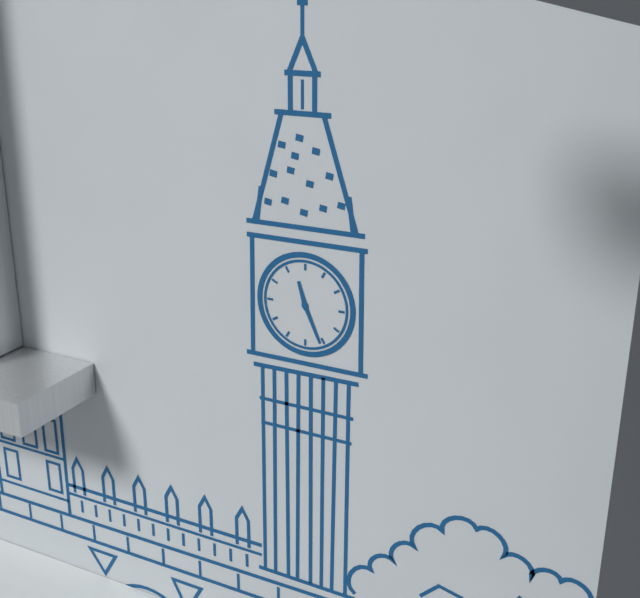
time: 11:26
